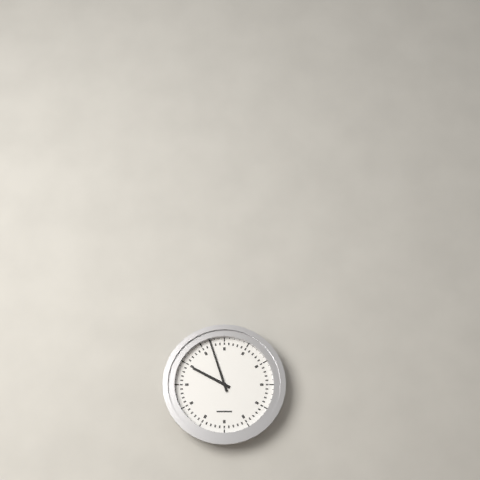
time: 9:57
